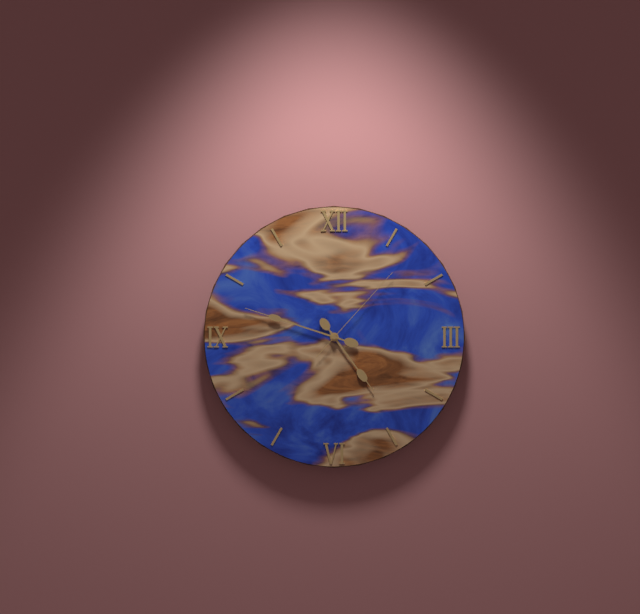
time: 4:48:07
